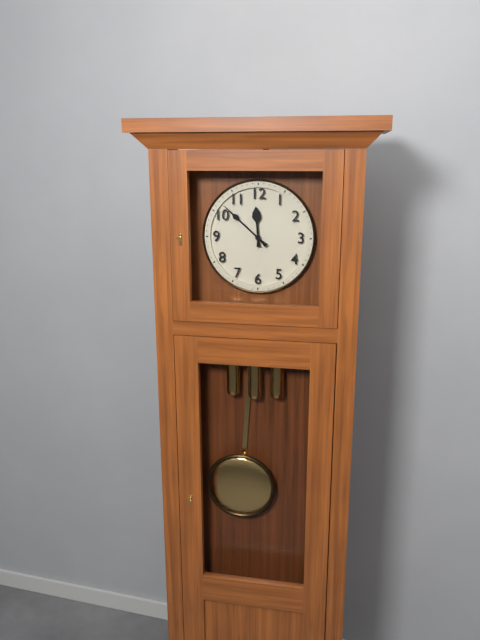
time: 11:52
